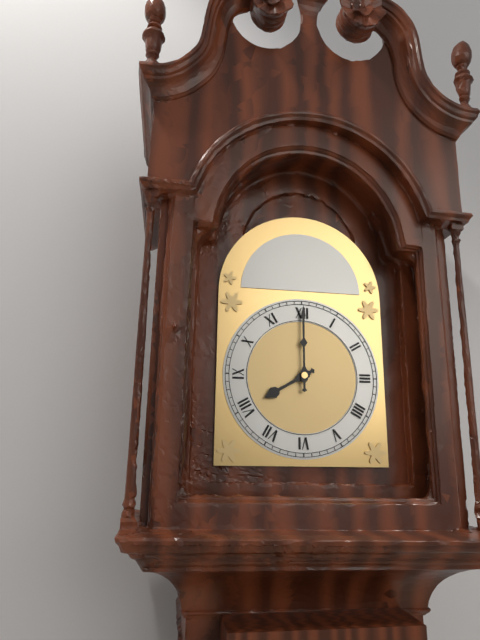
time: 8:00
